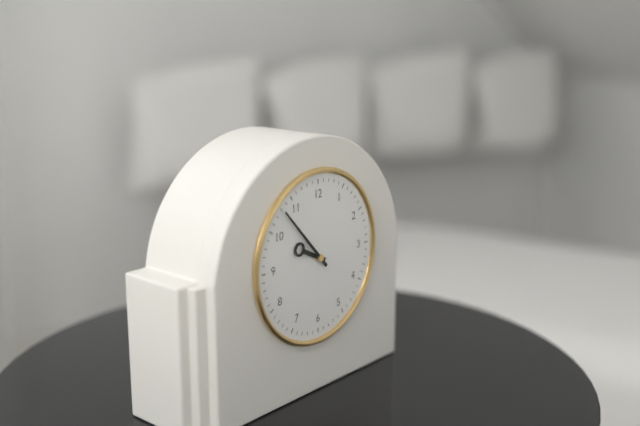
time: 9:53
